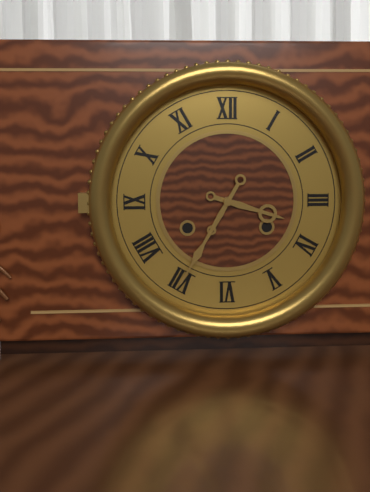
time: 3:35
